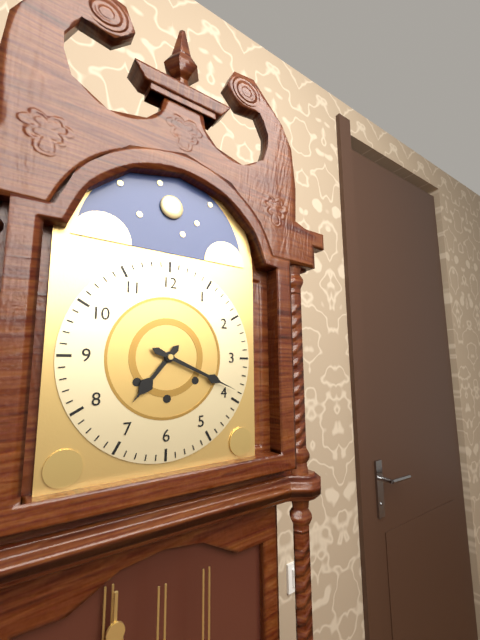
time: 7:19
